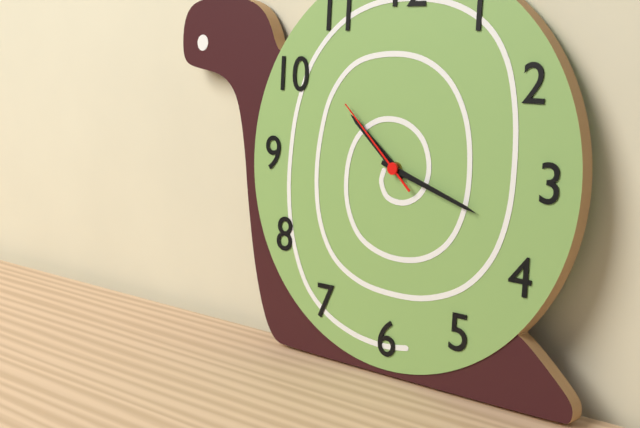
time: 10:18:52
